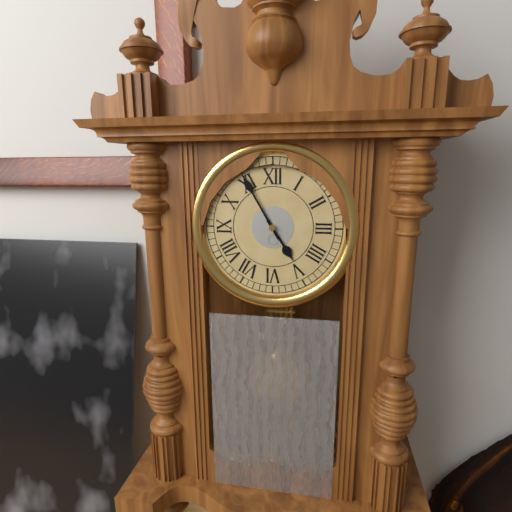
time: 4:55
